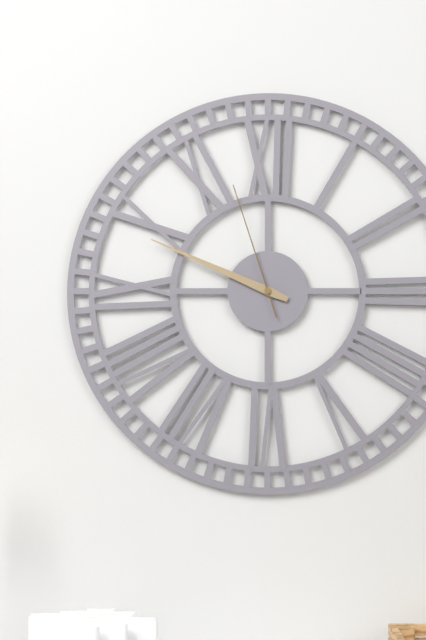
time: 9:49:57
